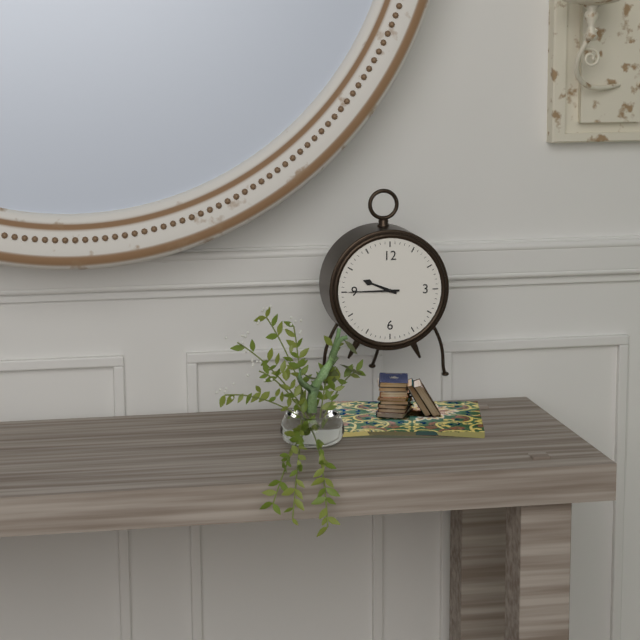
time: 9:45
